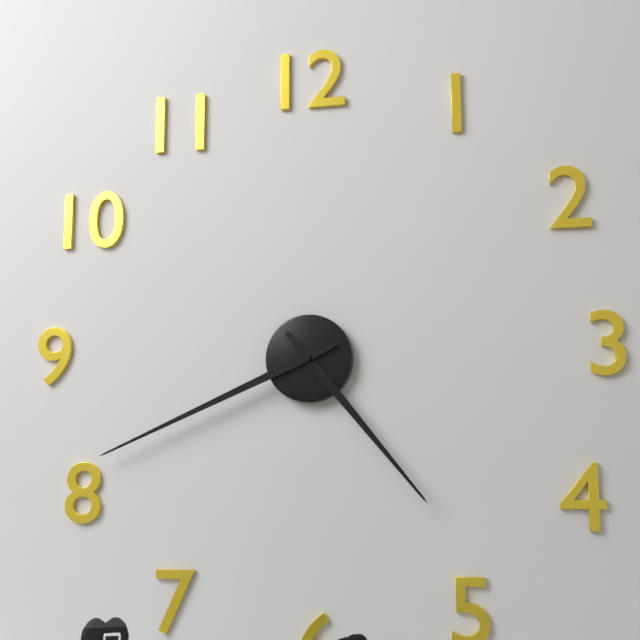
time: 4:41
